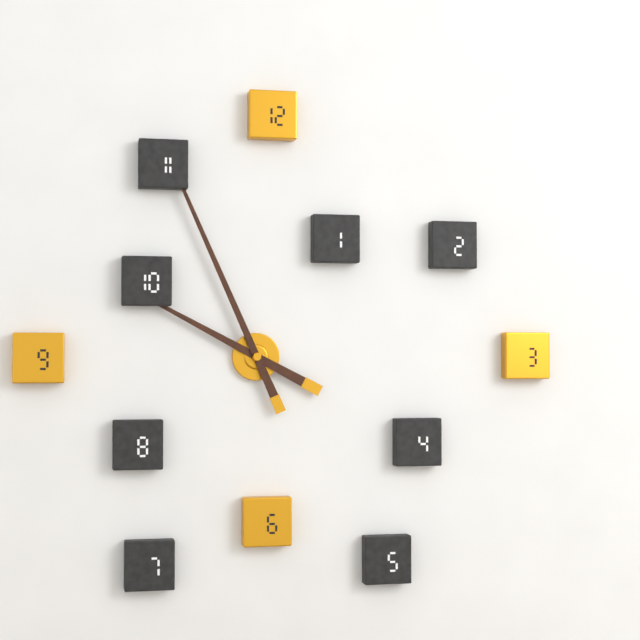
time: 9:56
